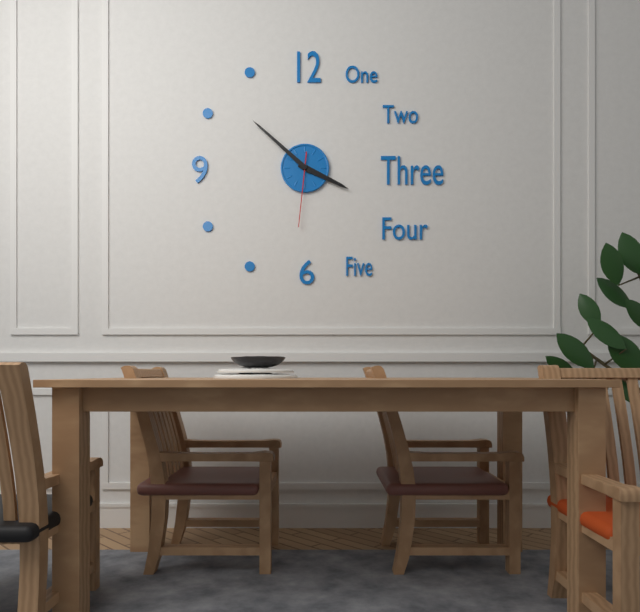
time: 3:52:31
